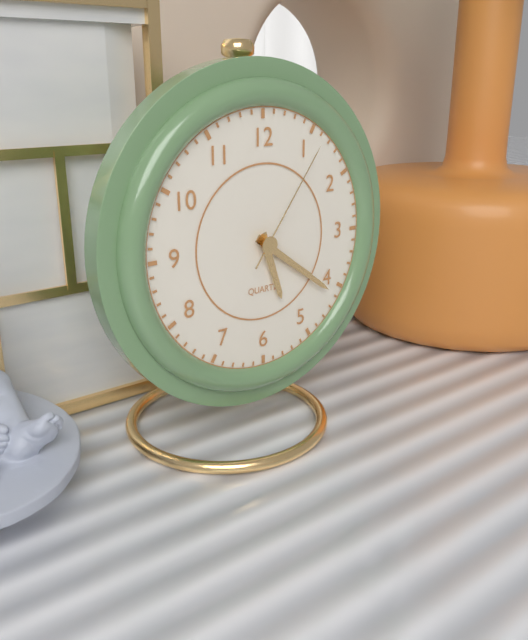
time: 5:21:06
